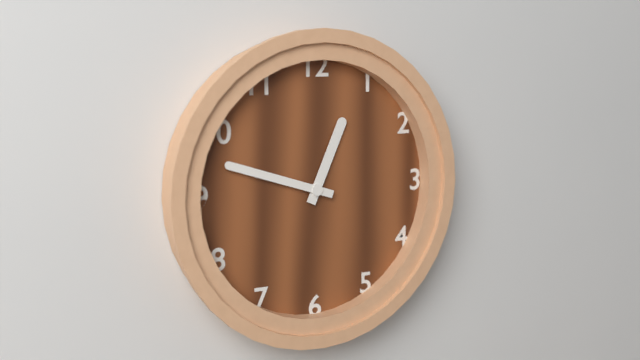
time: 12:48
